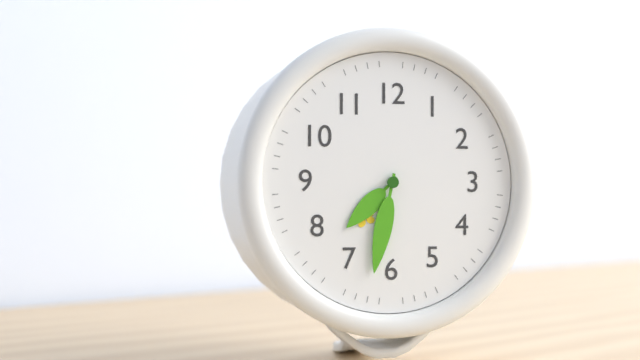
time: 7:32
